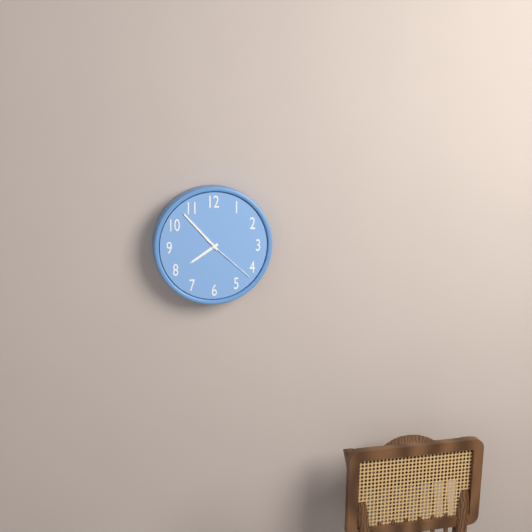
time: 7:53:22
